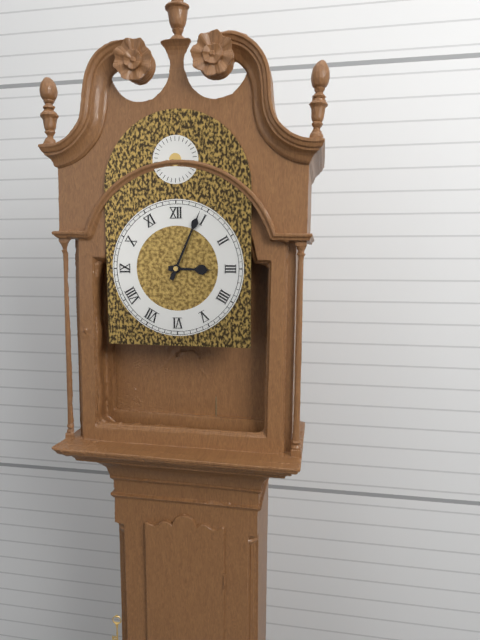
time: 3:04
